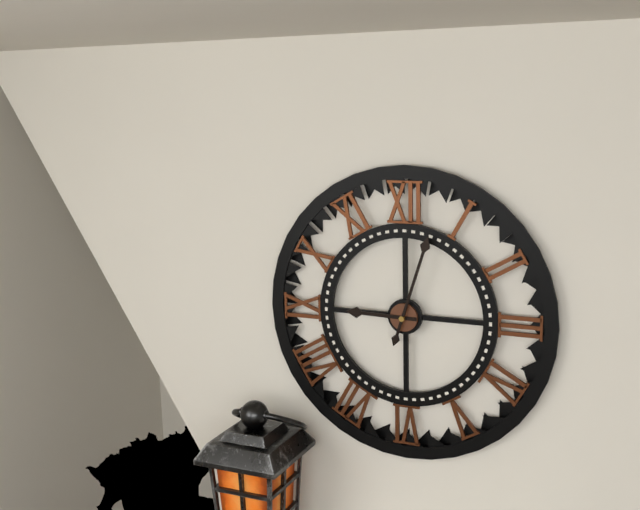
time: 9:03
